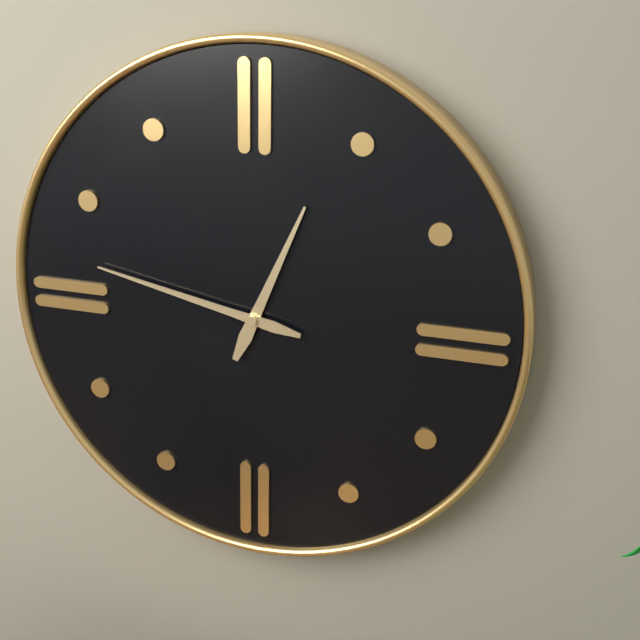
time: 12:47
